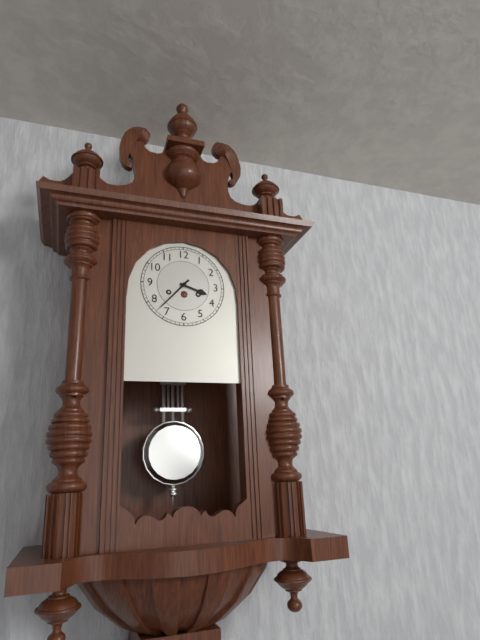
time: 3:37
